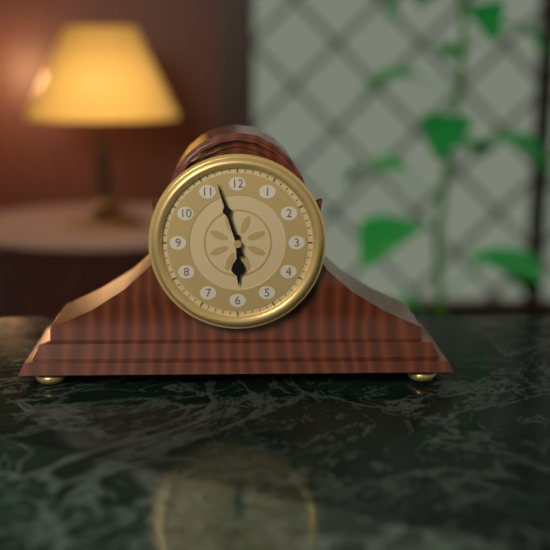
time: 5:57
